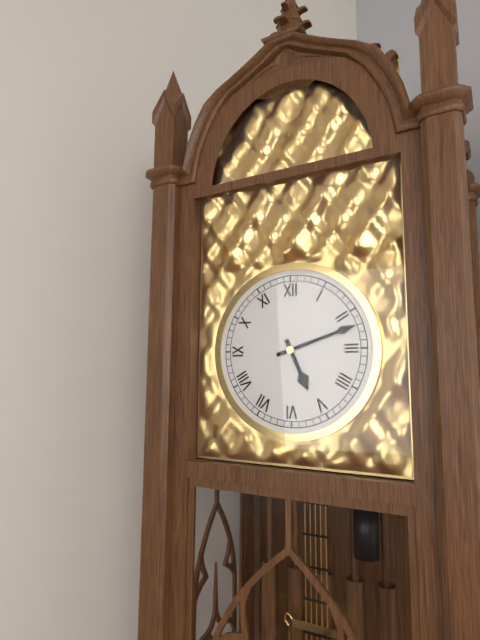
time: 5:12
